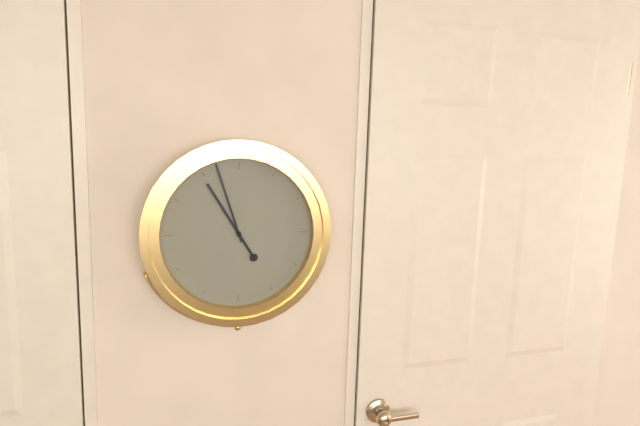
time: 10:57
